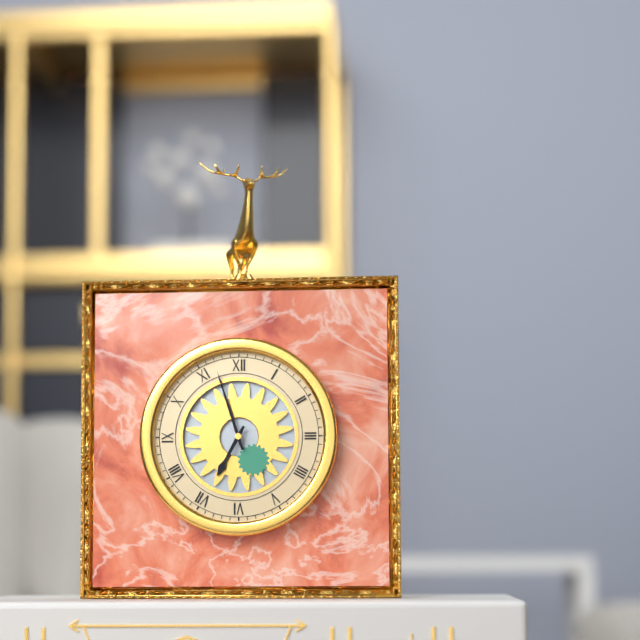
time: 6:57
